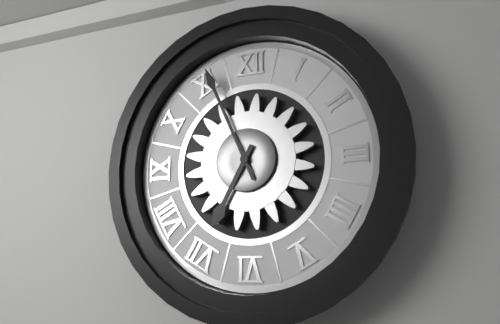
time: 6:56
